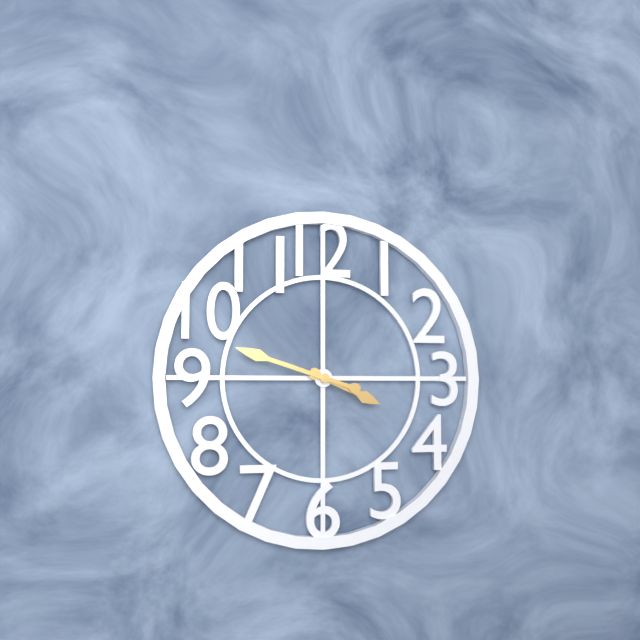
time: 3:48
